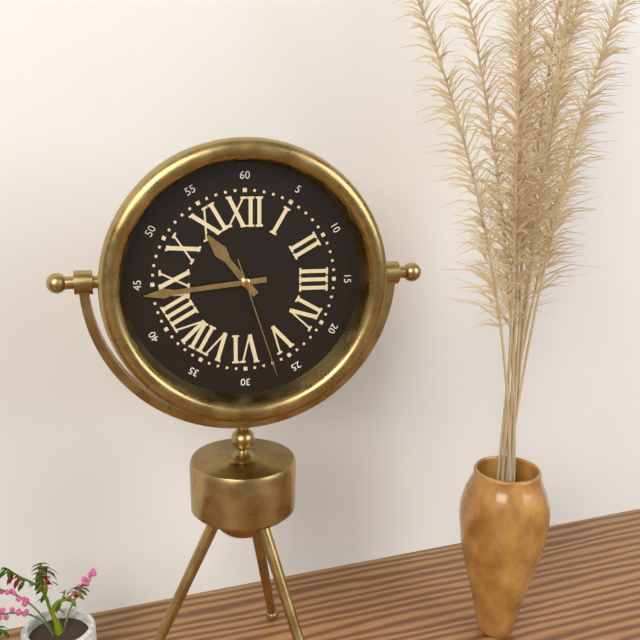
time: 10:44:27
